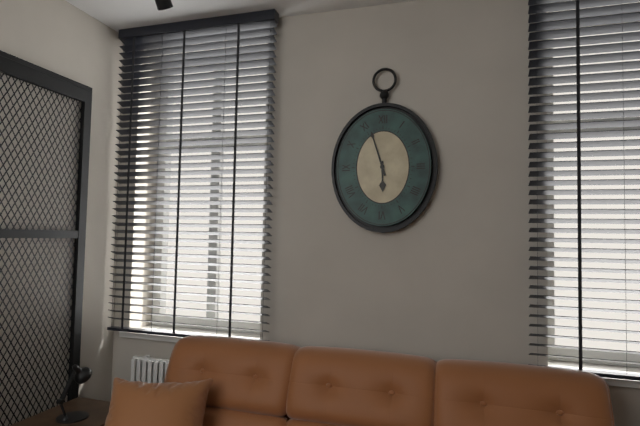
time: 5:57
